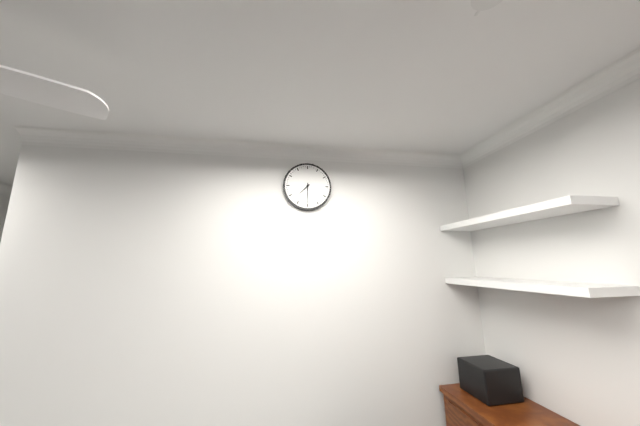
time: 7:30
